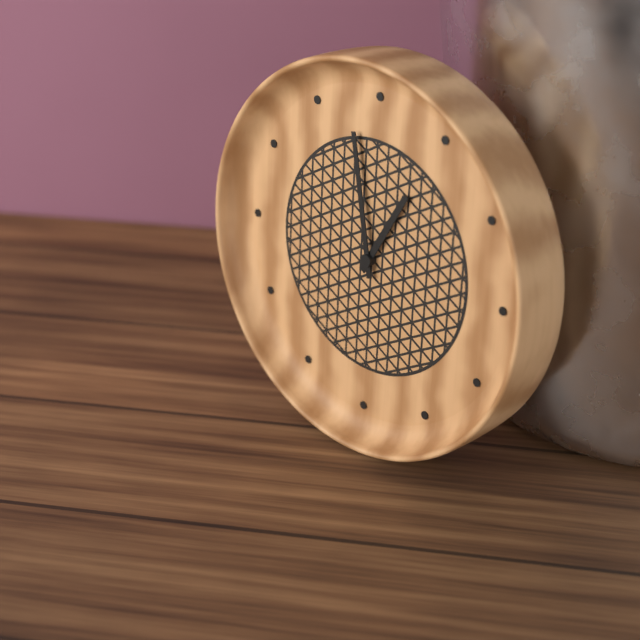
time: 12:58
